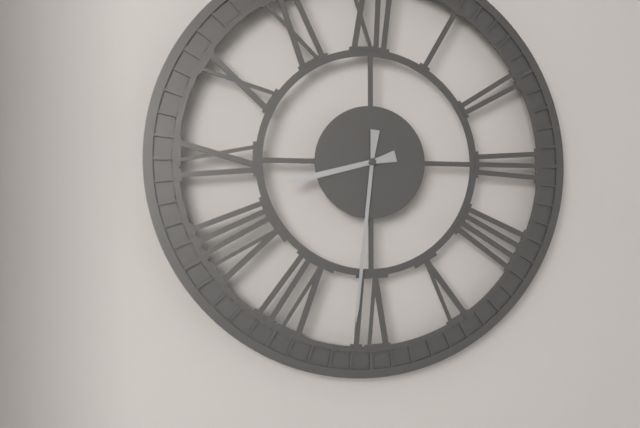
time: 8:31
